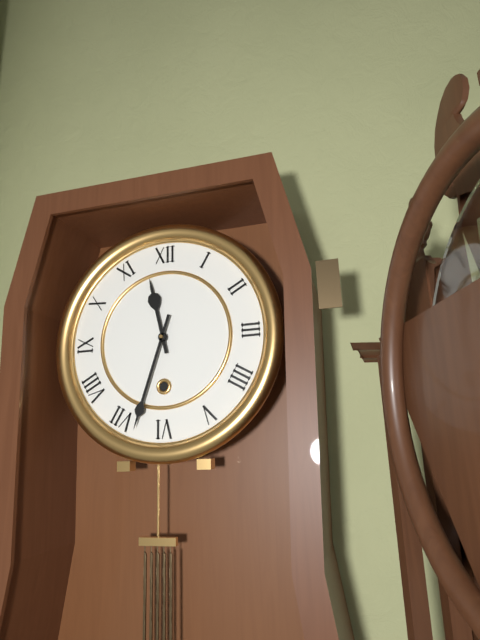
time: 11:33
